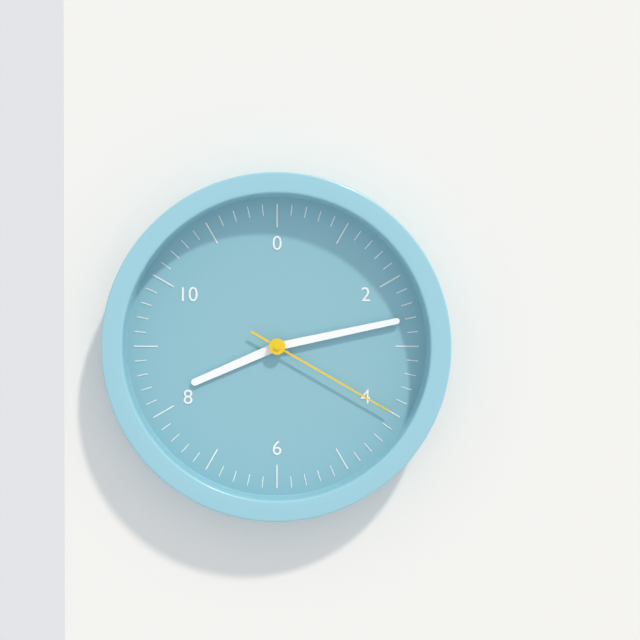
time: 8:13:20
